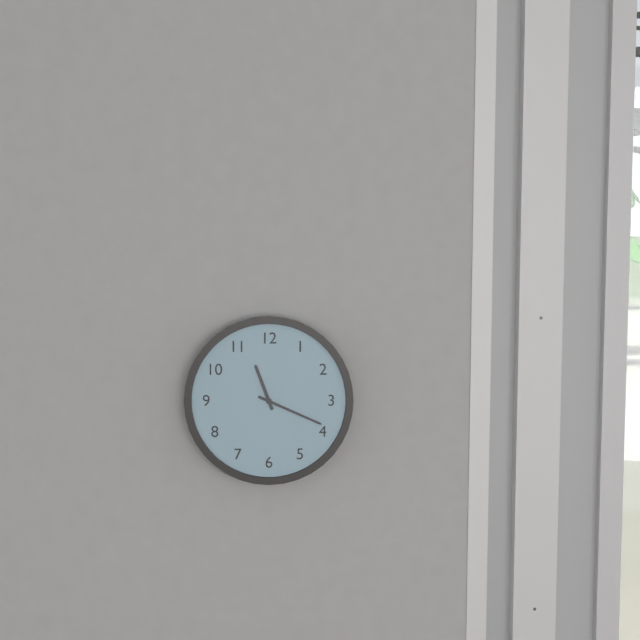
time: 11:19
